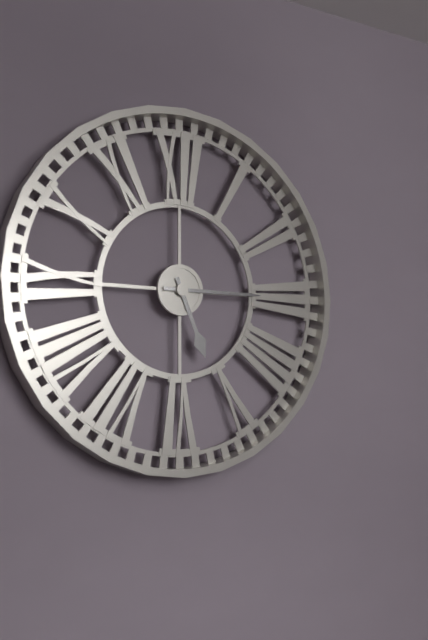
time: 5:15
